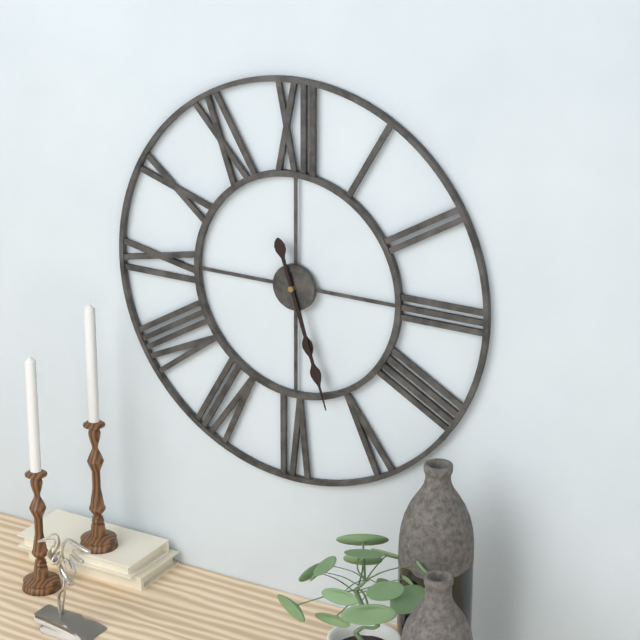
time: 5:27
